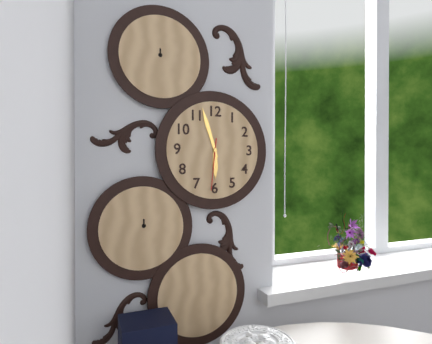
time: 5:57:31
